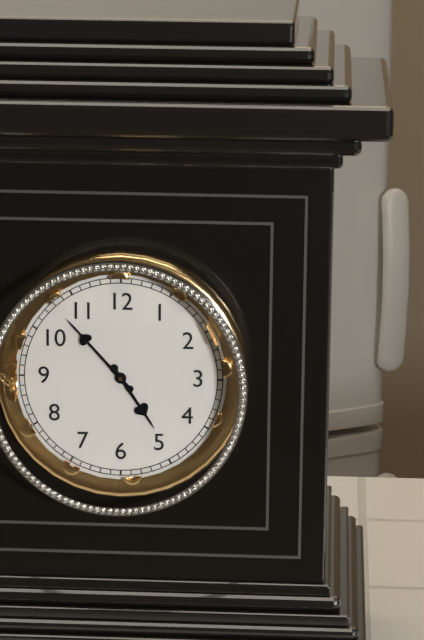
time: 4:53
